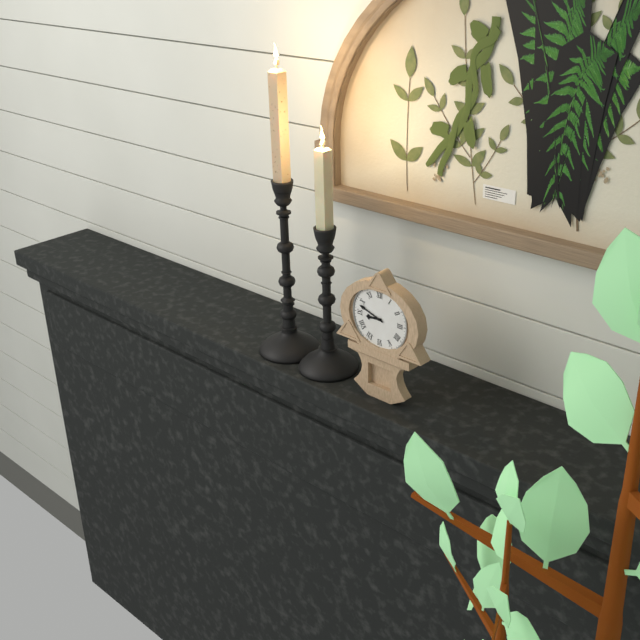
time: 8:48
